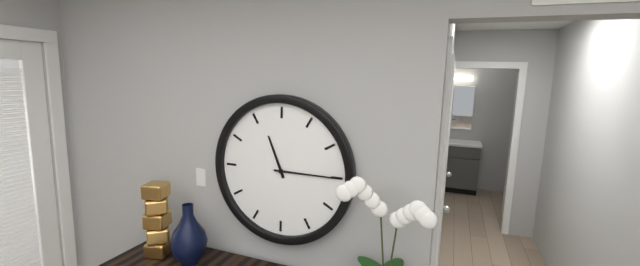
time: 11:15
